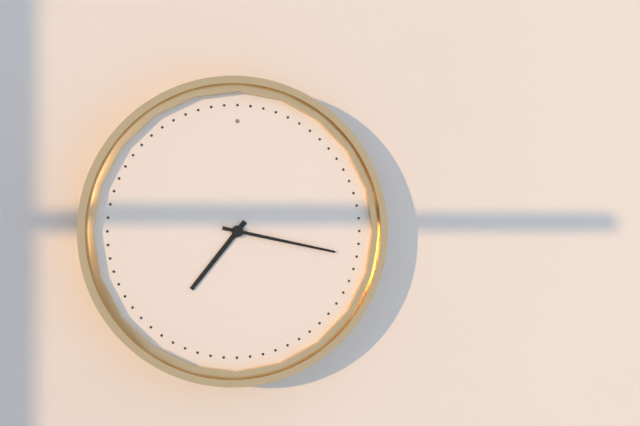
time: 7:17
